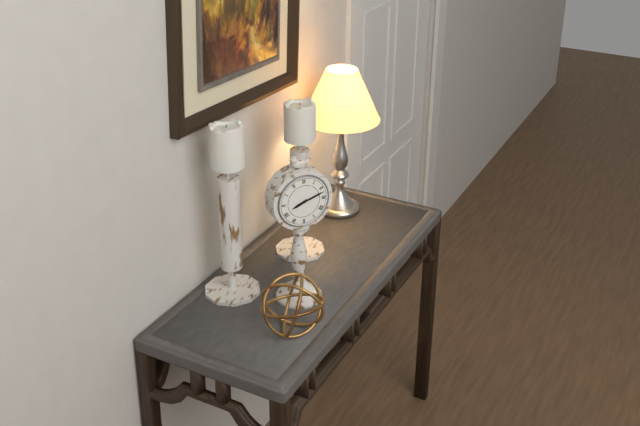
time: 8:12
